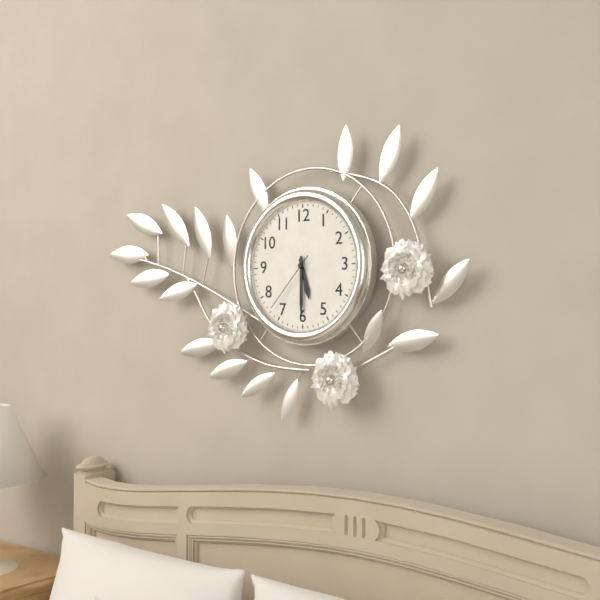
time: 5:30:37
